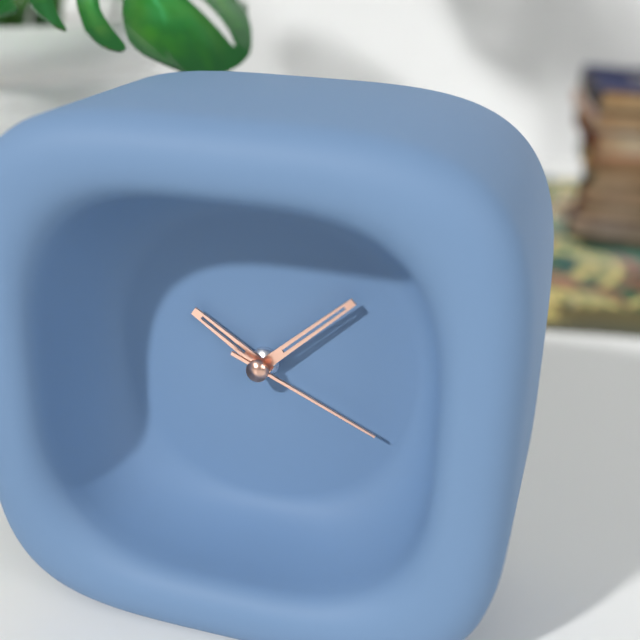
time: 10:08:19
